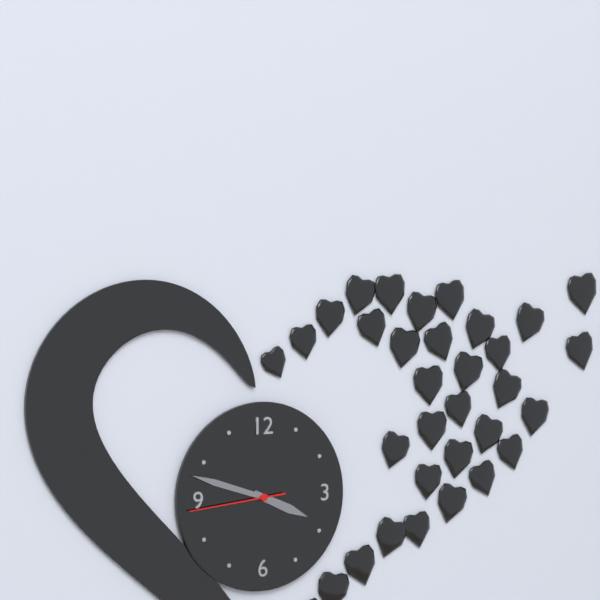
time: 3:48:44
